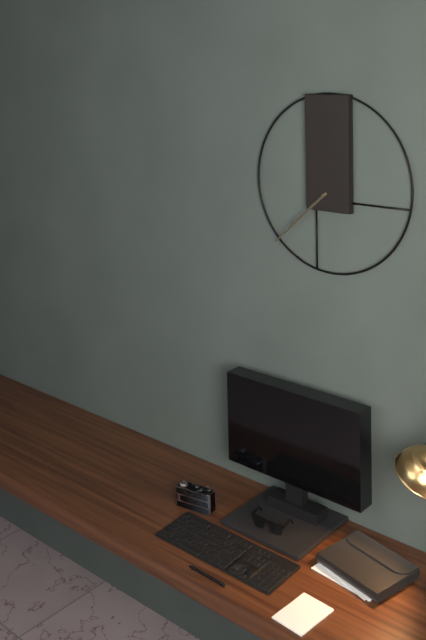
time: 7:38
